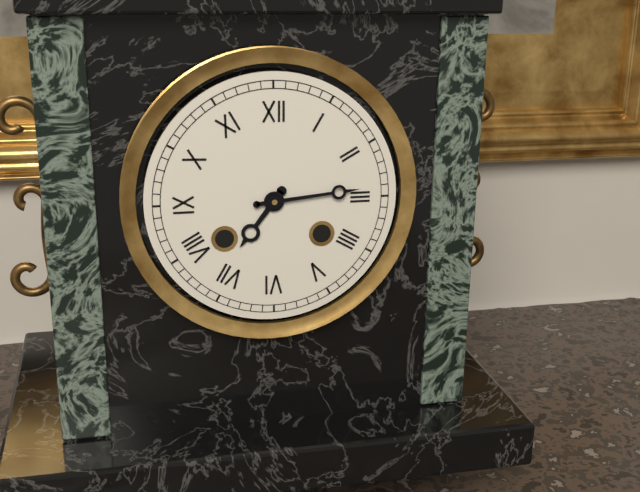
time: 7:14
